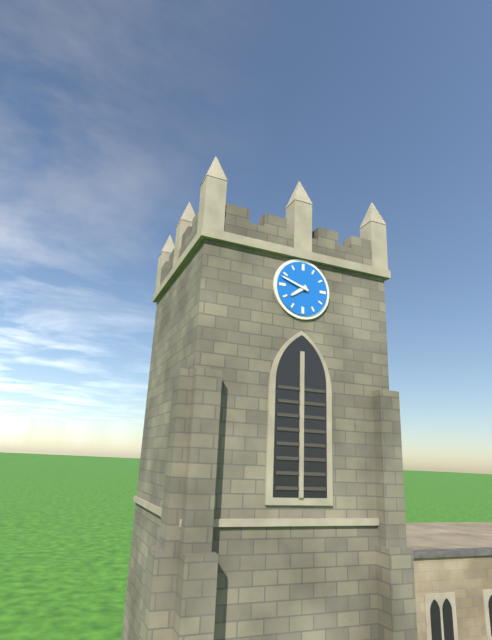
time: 7:48
